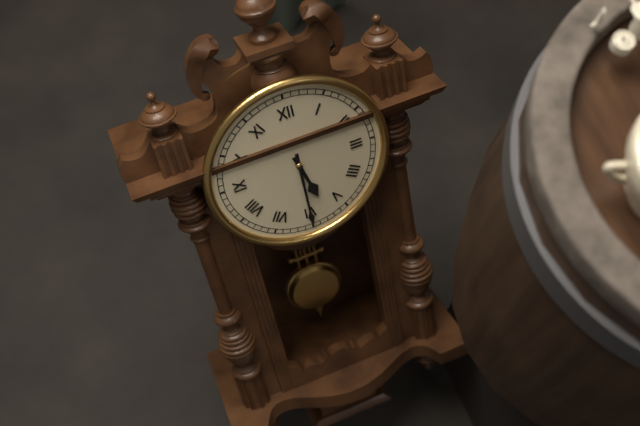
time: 5:30
